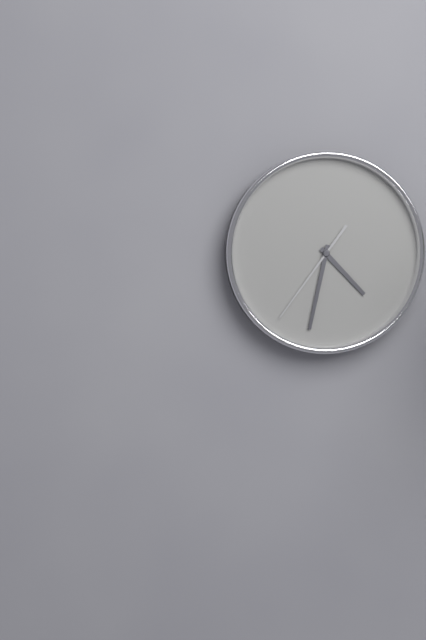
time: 4:32:36
